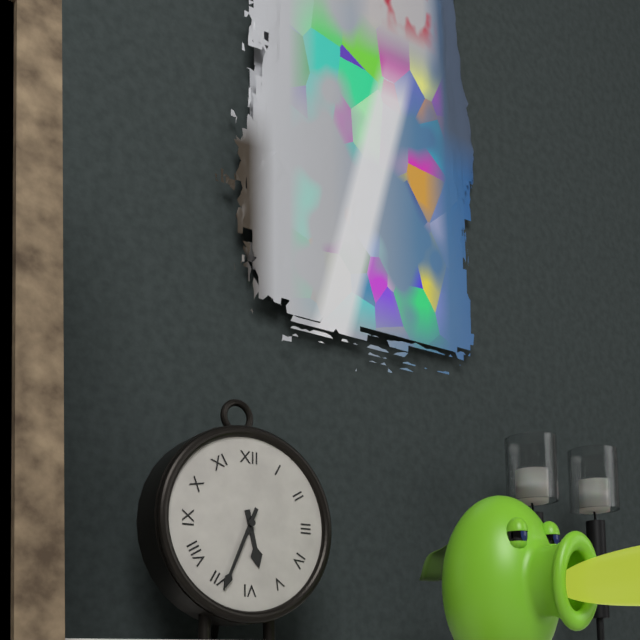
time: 5:34
